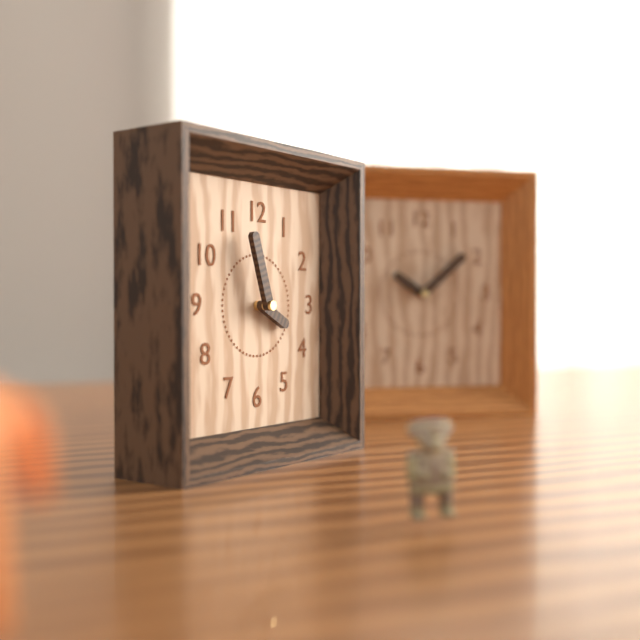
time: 3:57
